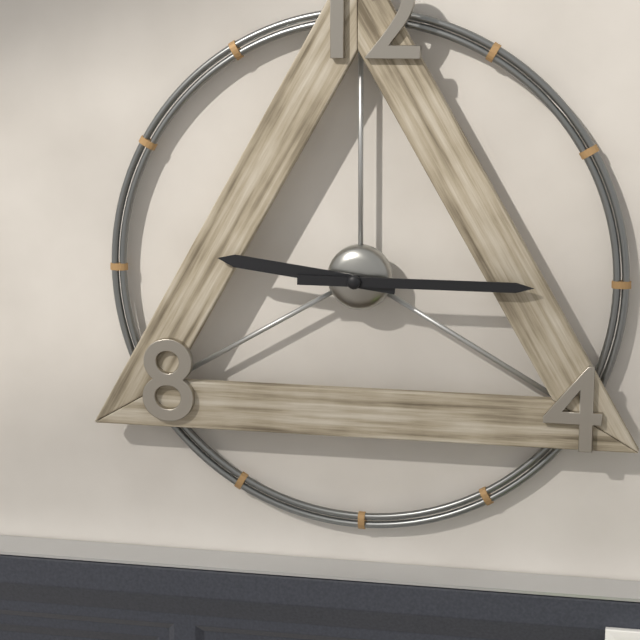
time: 9:15
